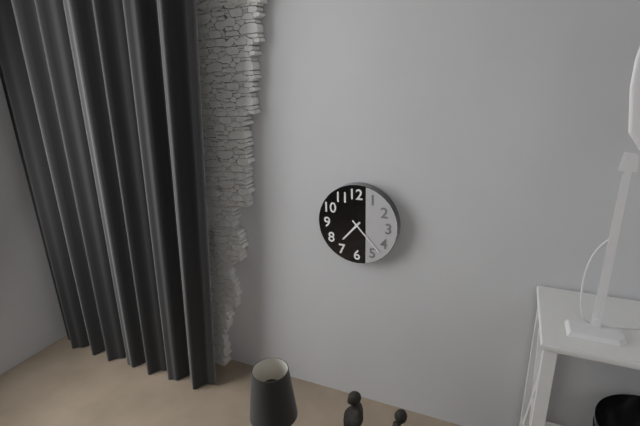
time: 7:23
